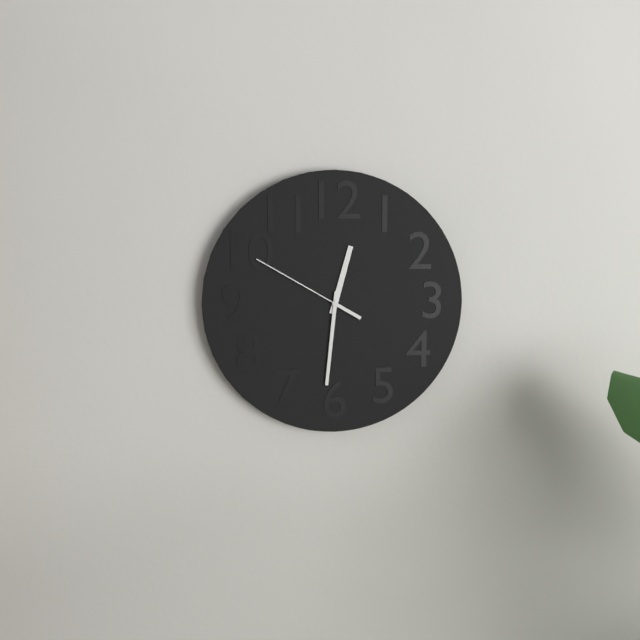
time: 12:31:50
